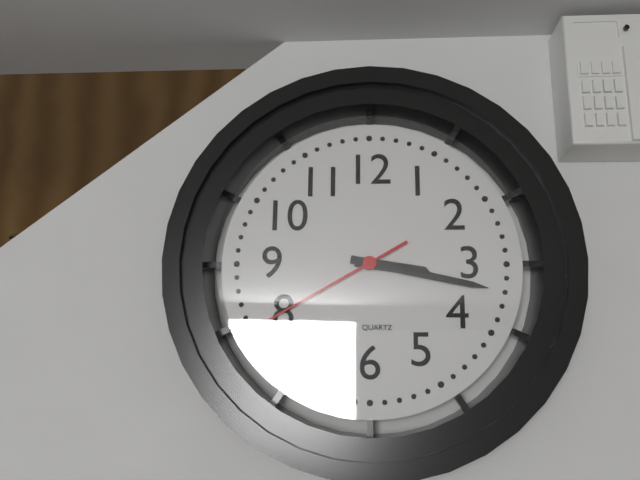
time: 3:17:40
